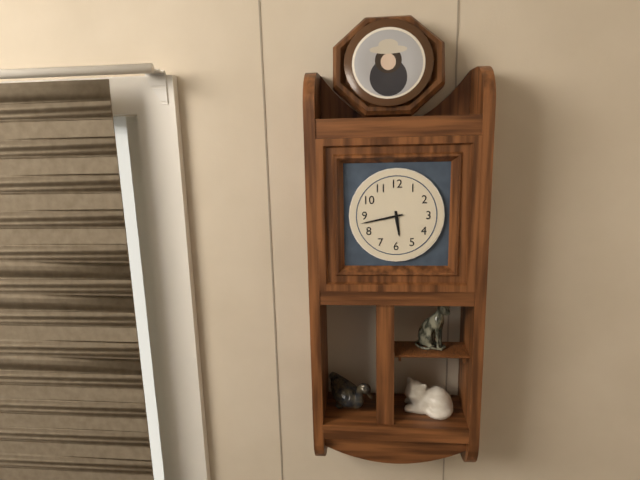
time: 5:43
